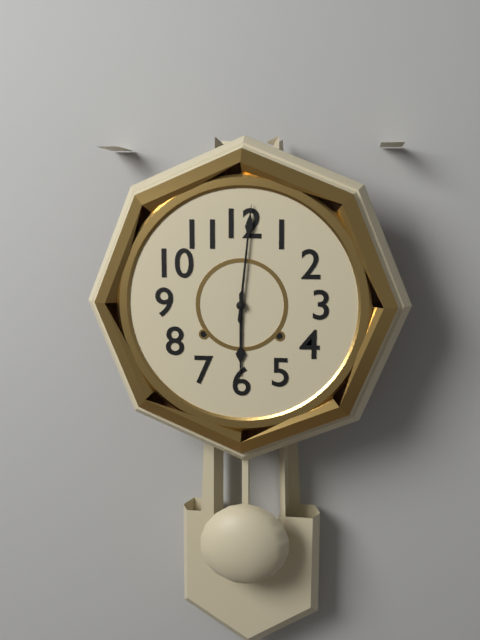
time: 6:01
